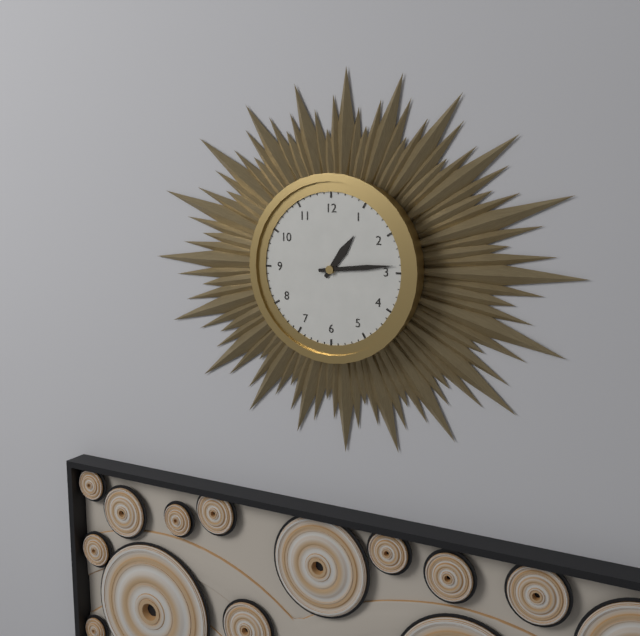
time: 1:14
